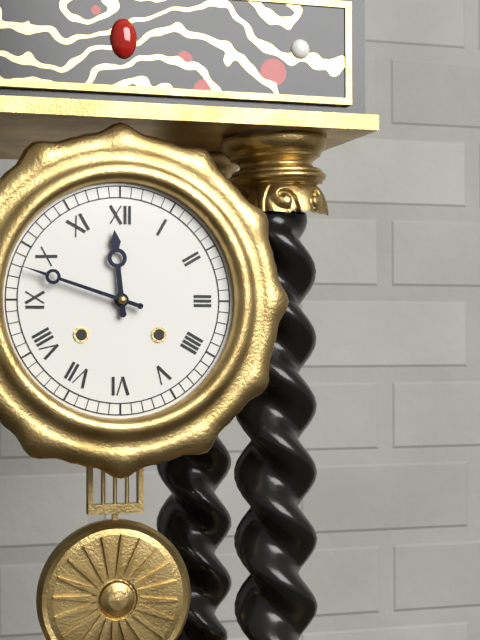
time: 11:48
